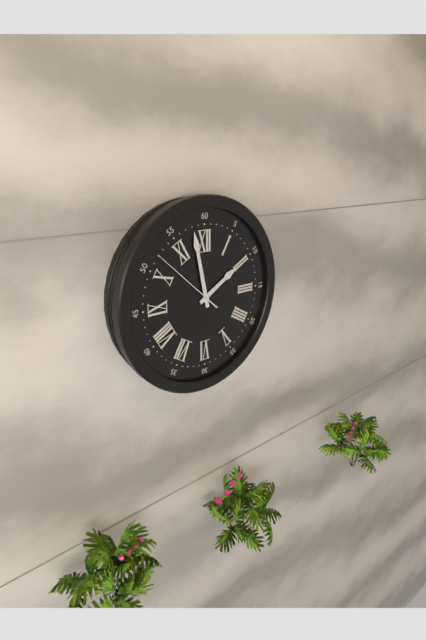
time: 1:58:52
